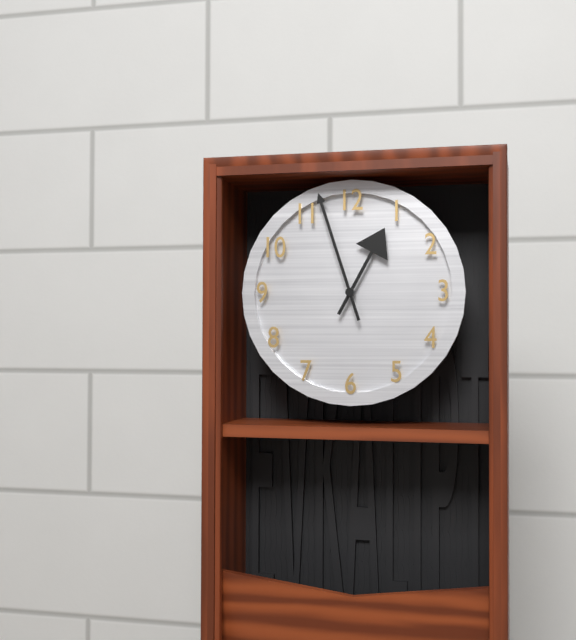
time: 12:57
